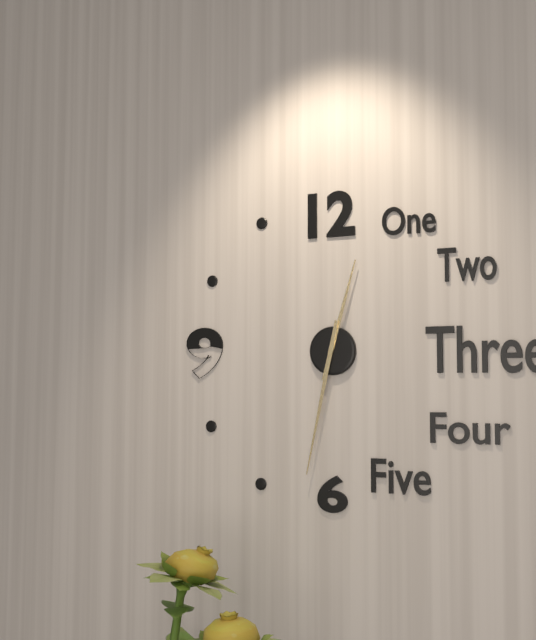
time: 12:32
